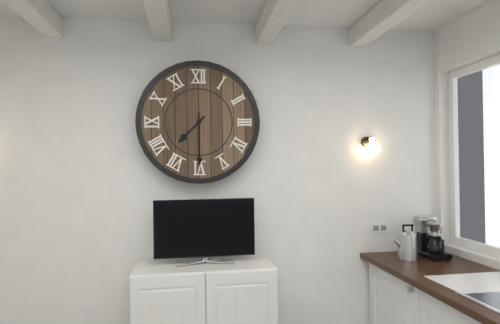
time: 7:30
